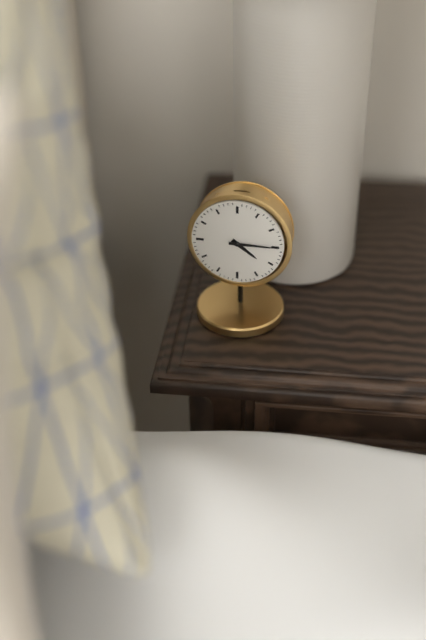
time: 4:15
